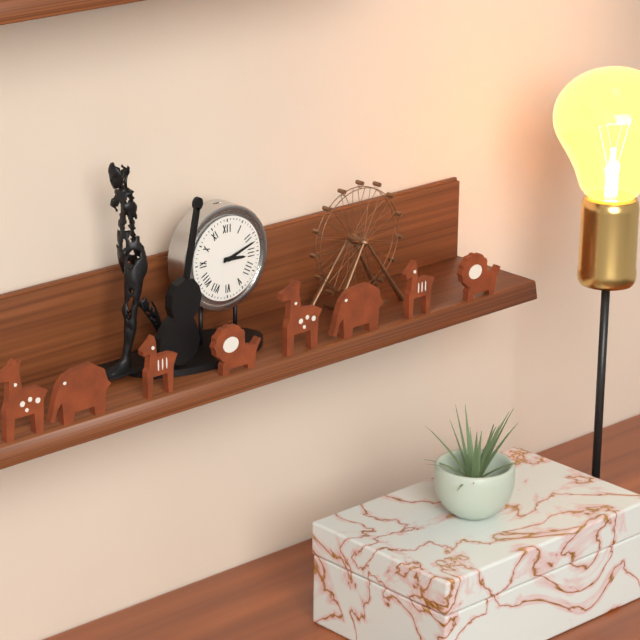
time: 3:12
